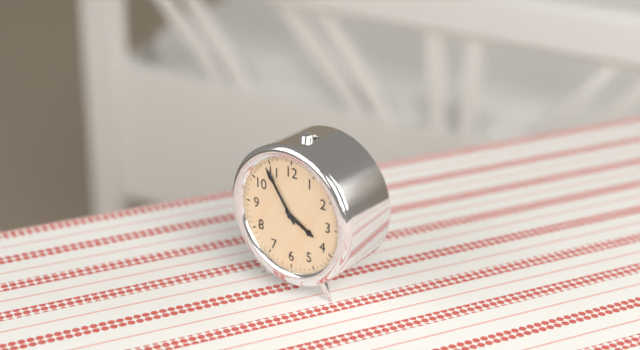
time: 3:54
